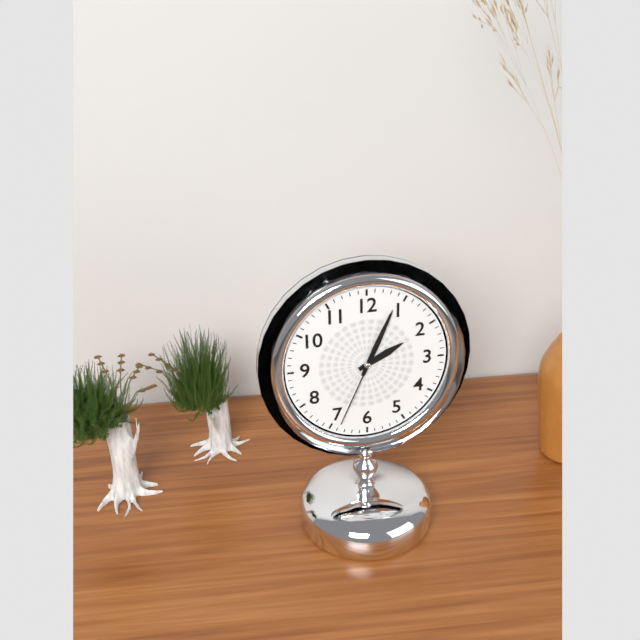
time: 2:04:34
